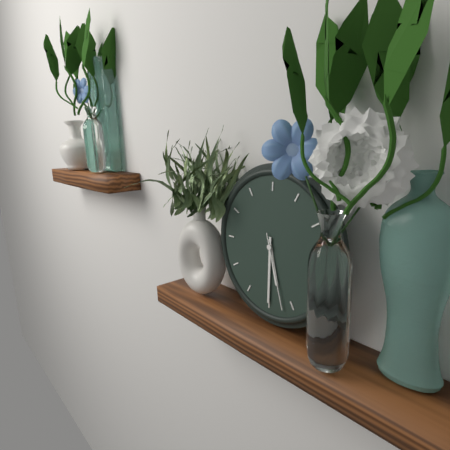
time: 5:30:27
